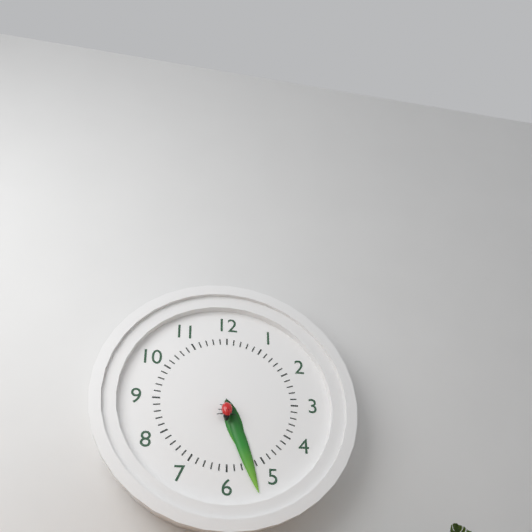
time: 5:27
